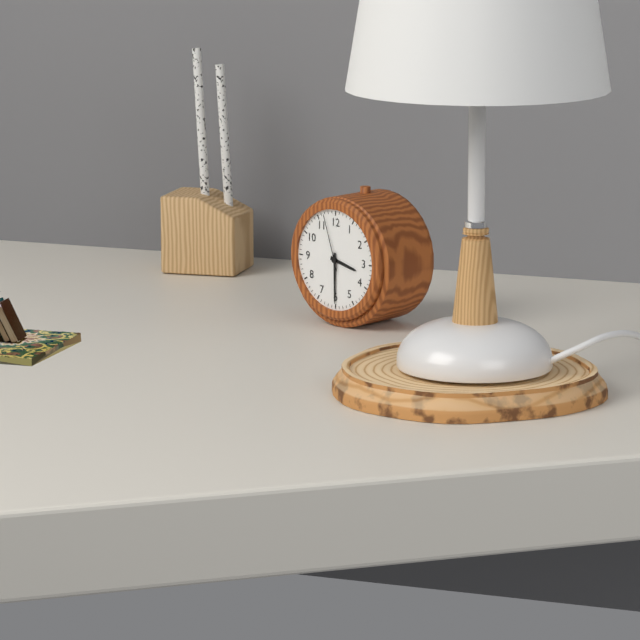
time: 3:30:57
